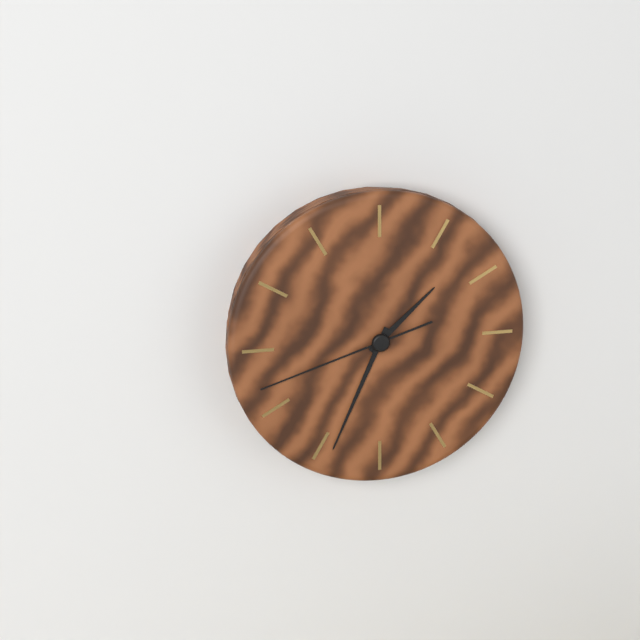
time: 1:34:42
